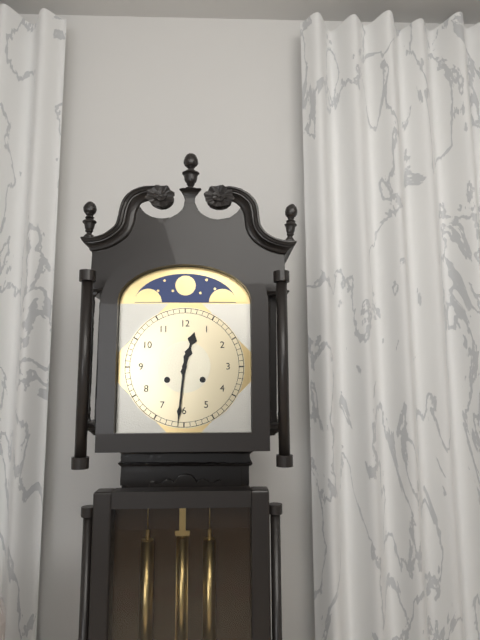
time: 12:31
